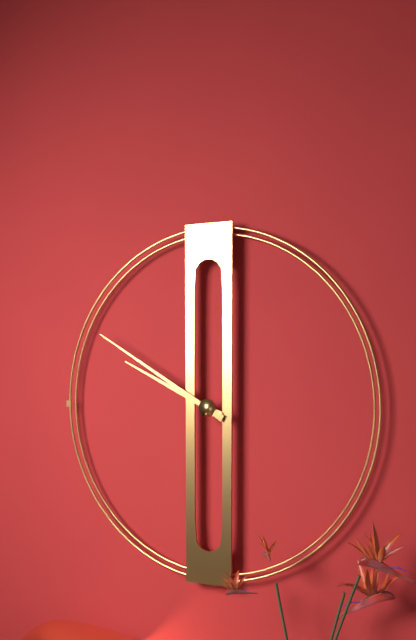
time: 9:50
